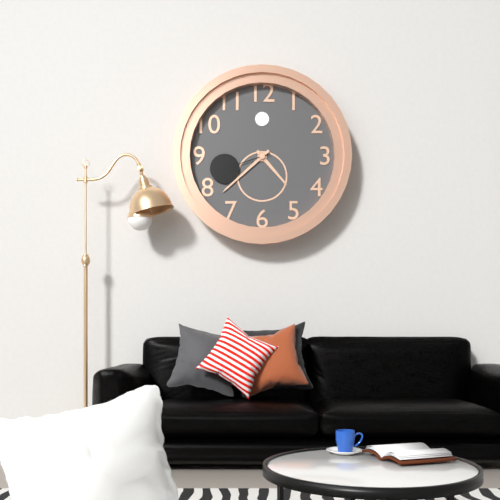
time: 4:38:42
